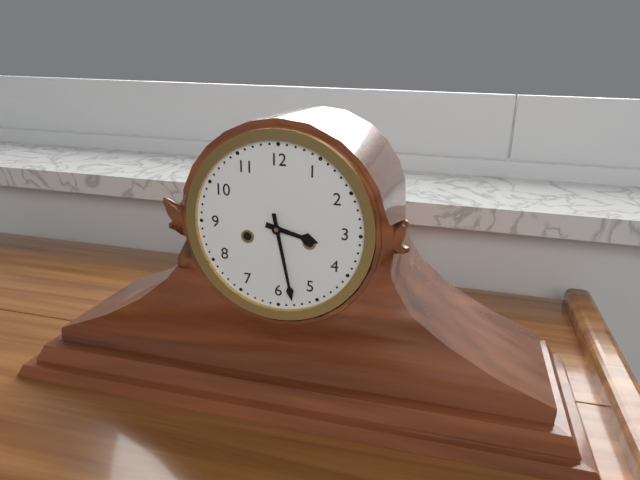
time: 3:28
